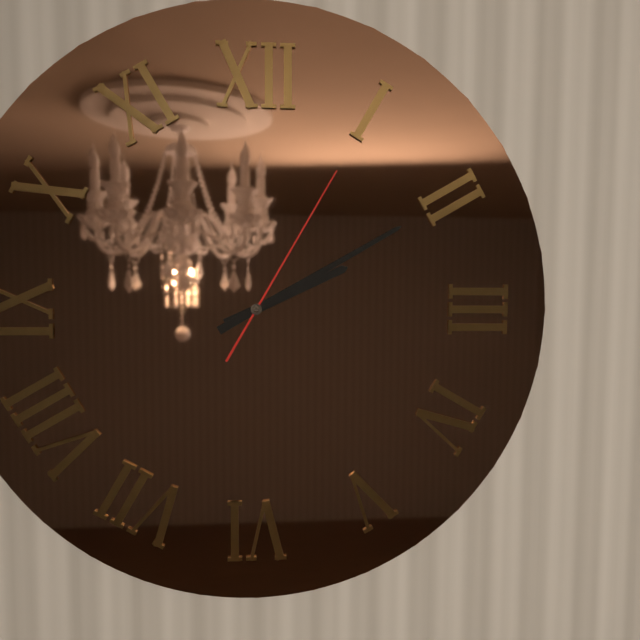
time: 2:10:05
